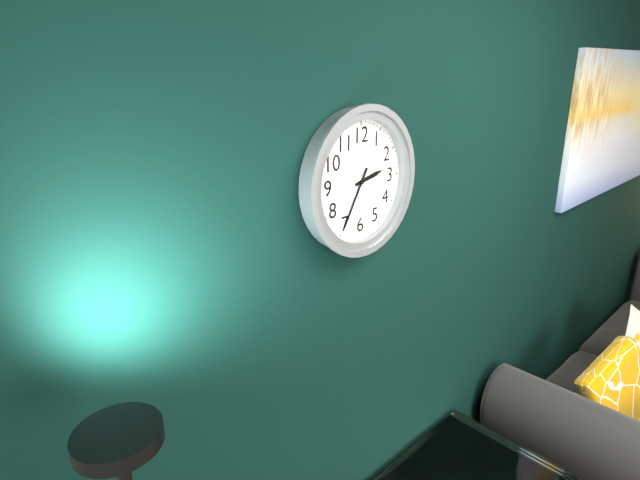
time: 2:35
